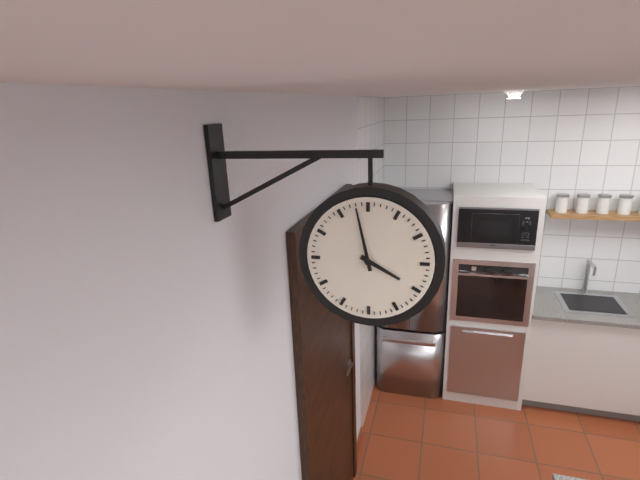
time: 3:58
